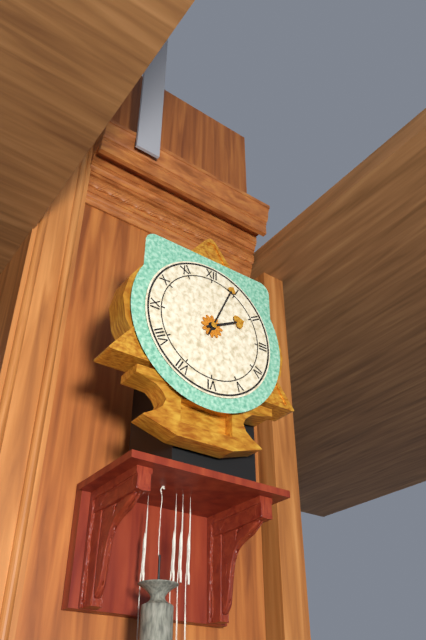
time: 2:04
